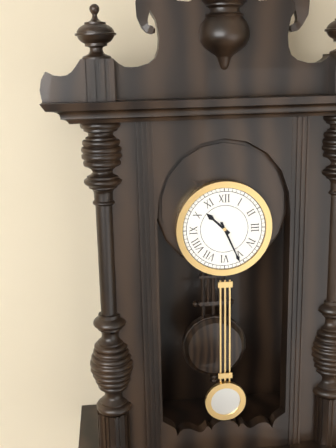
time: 10:26
